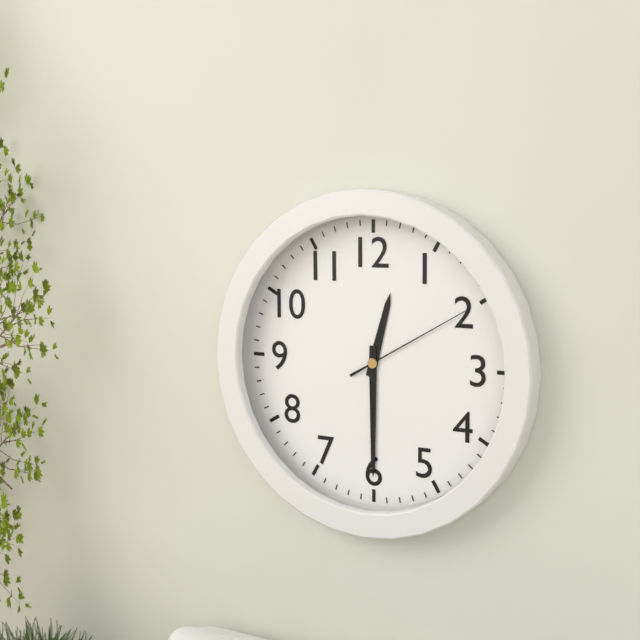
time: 12:30:10
